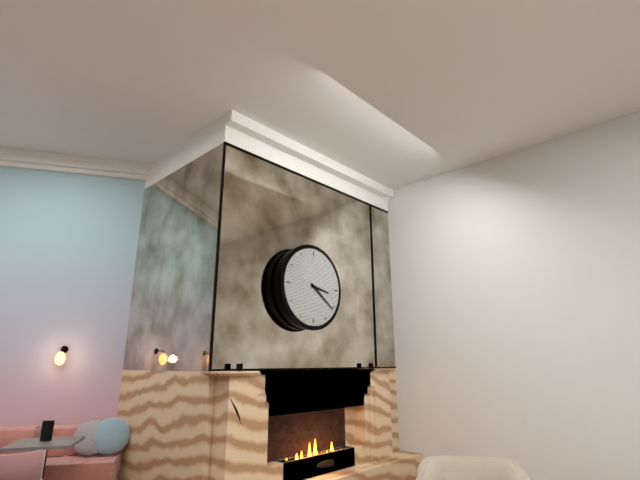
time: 3:21
